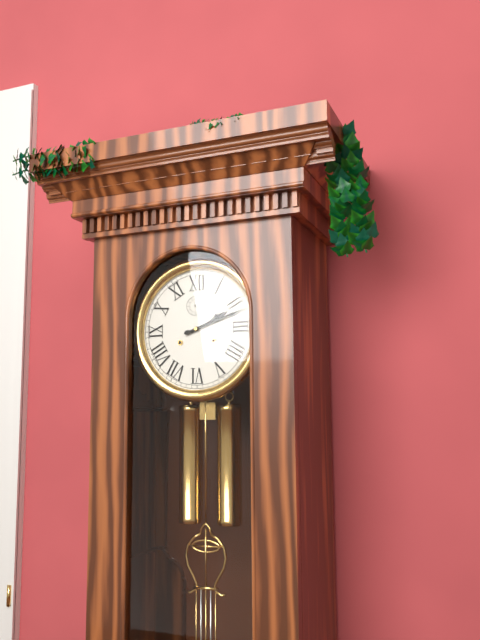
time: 2:12
